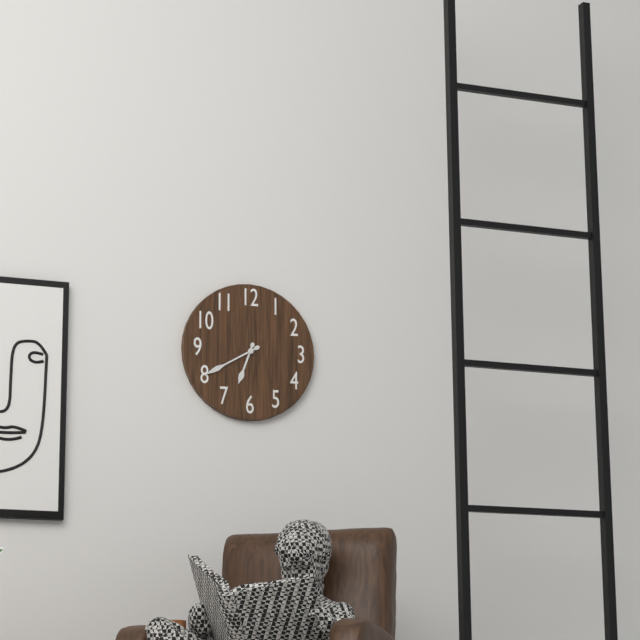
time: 6:40
